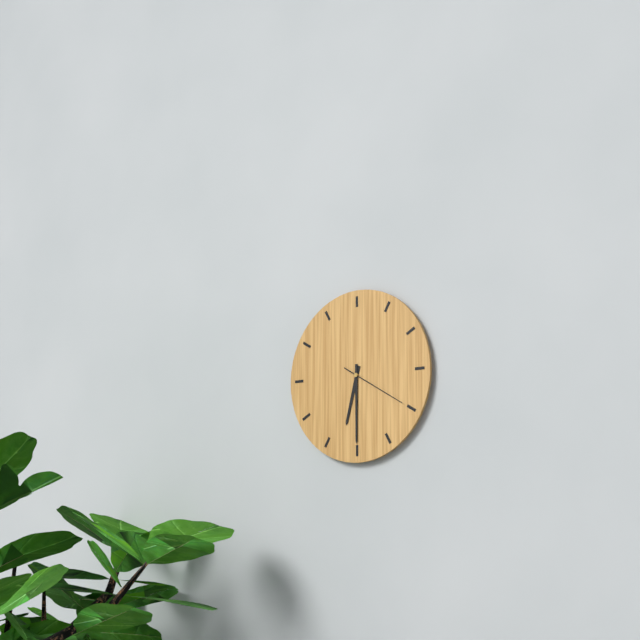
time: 6:30:20
